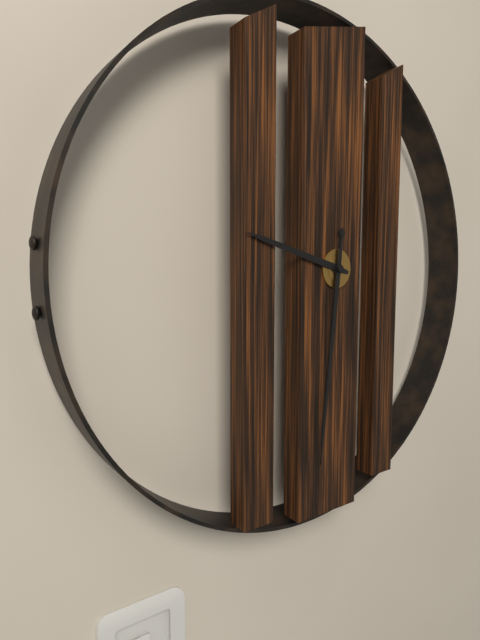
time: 9:31
